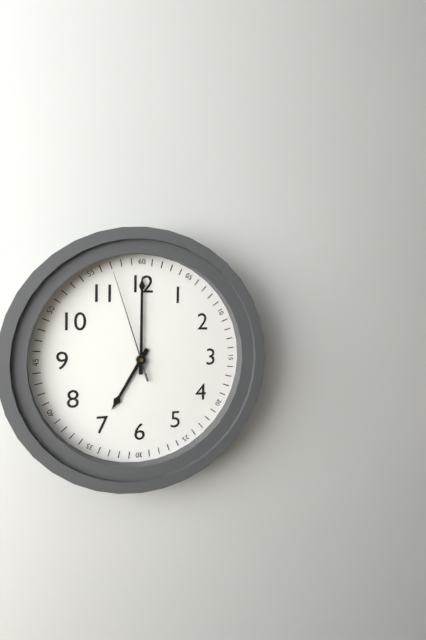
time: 7:00:57
